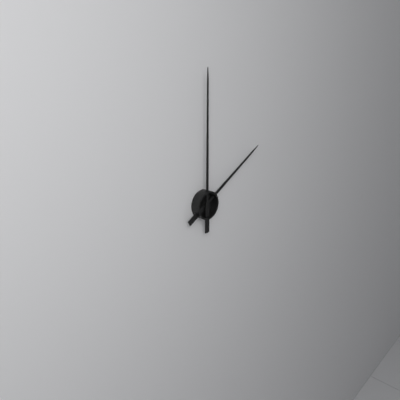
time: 2:00
